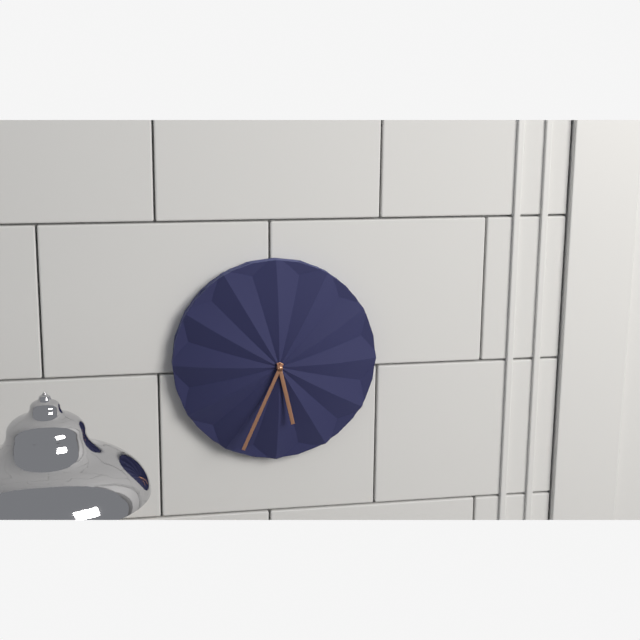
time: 5:34
